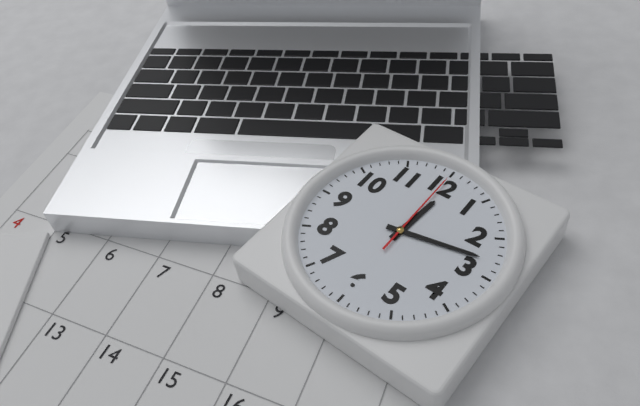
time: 12:13:00
